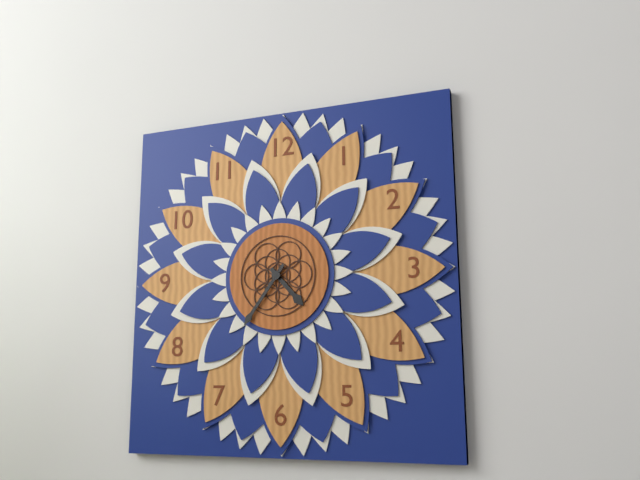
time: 4:36
